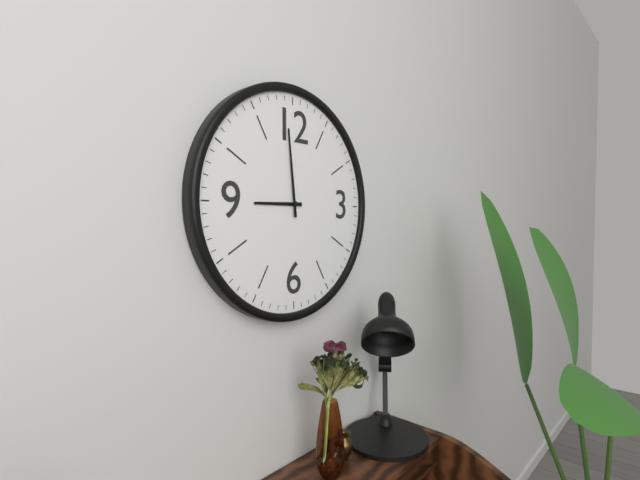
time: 8:59
